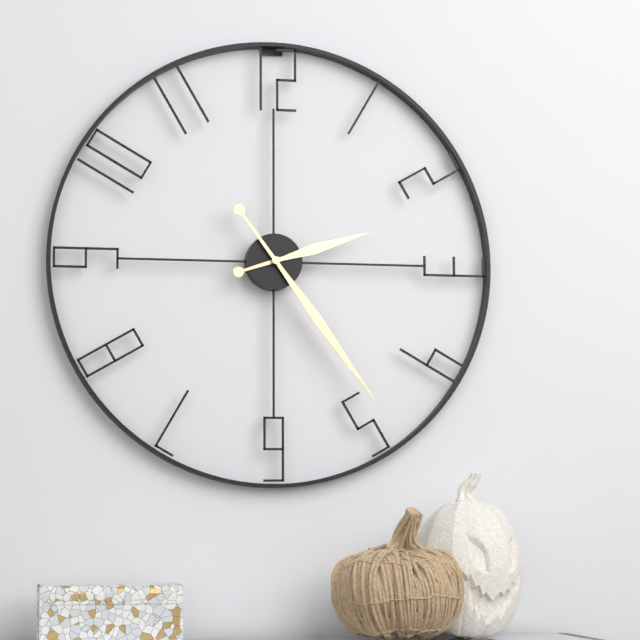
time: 2:24
